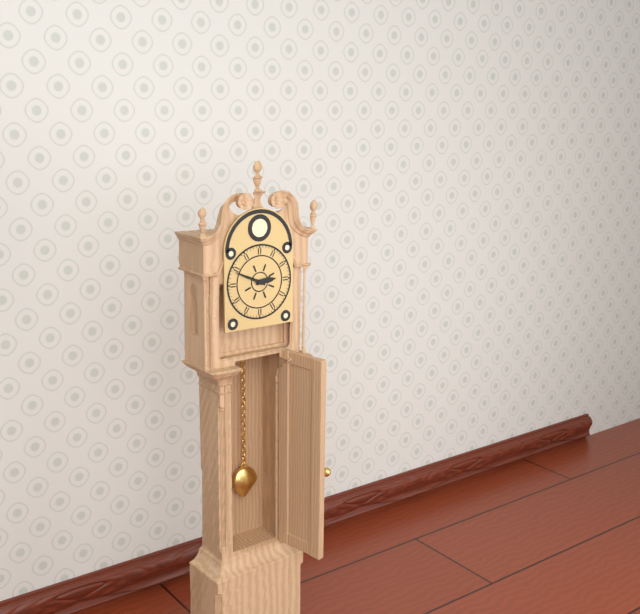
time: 2:49
